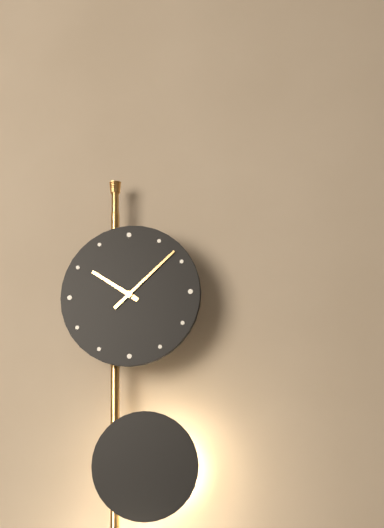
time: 10:08
